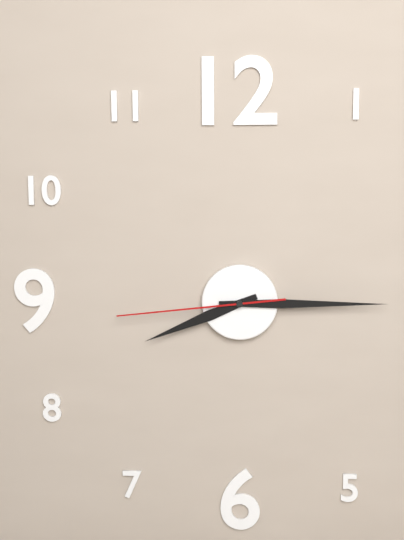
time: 8:15:44
